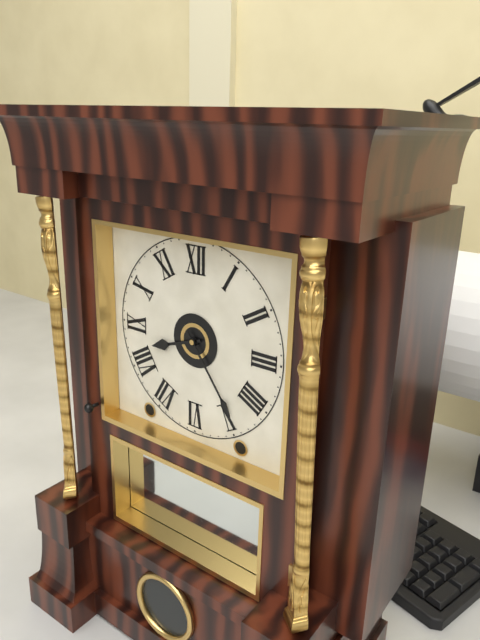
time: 8:24
